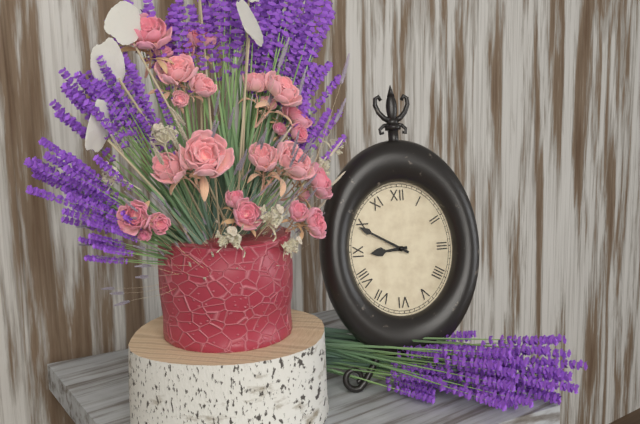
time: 8:50
